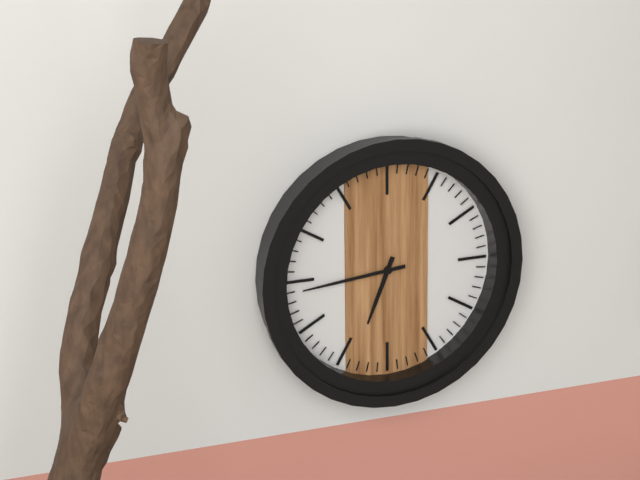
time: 6:44
